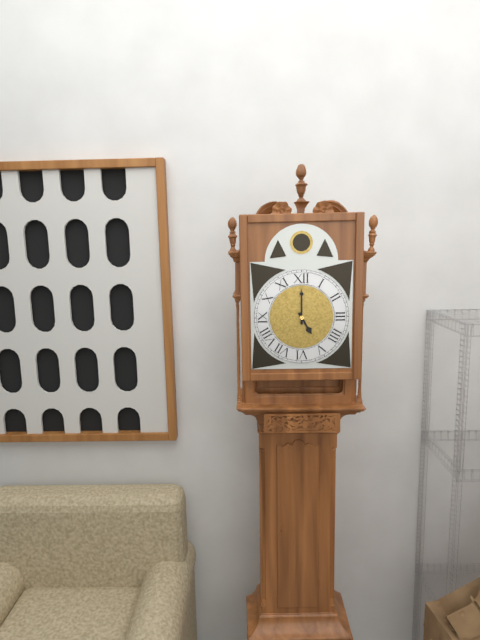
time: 5:00
